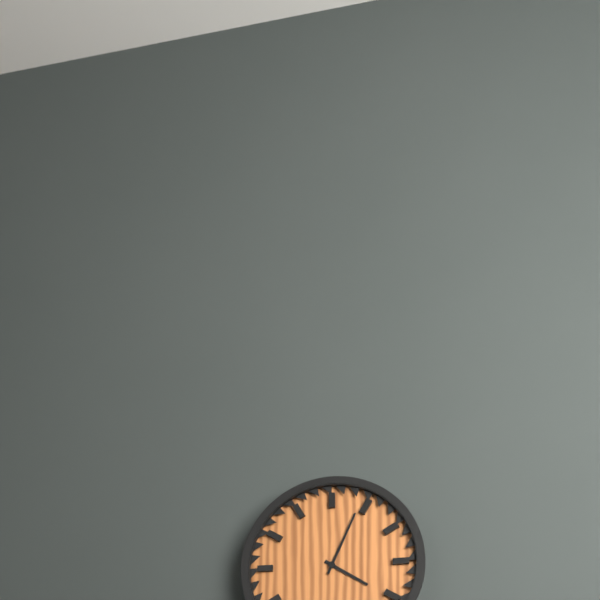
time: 4:04
